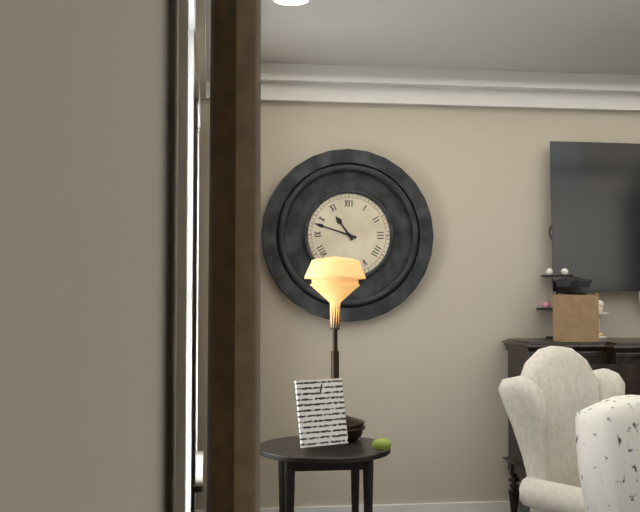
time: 10:48
